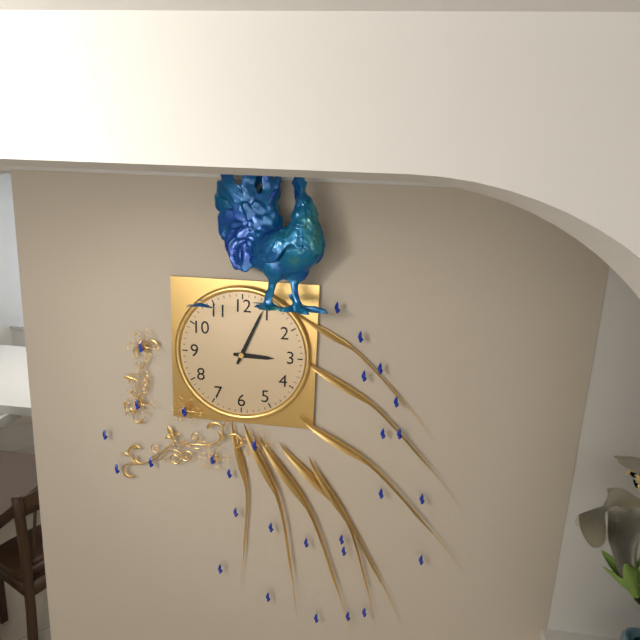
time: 3:04
